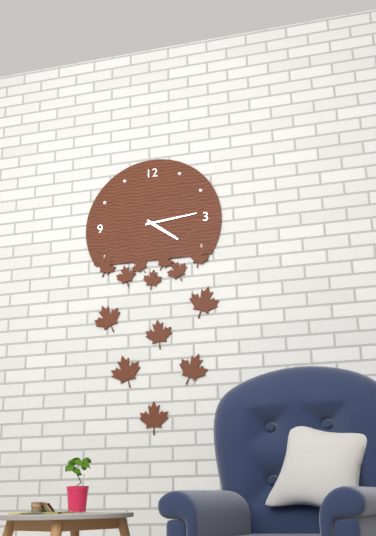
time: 4:14
